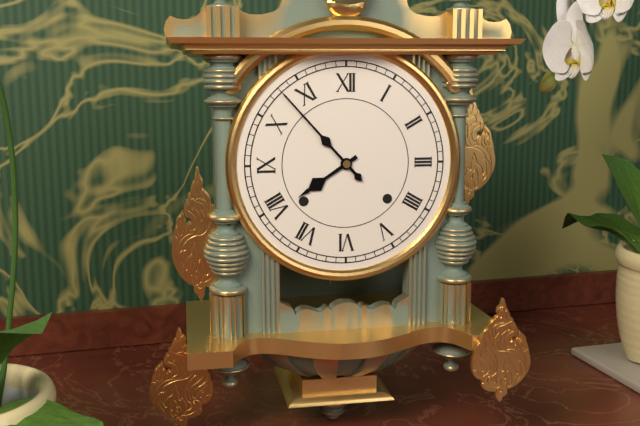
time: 7:53
